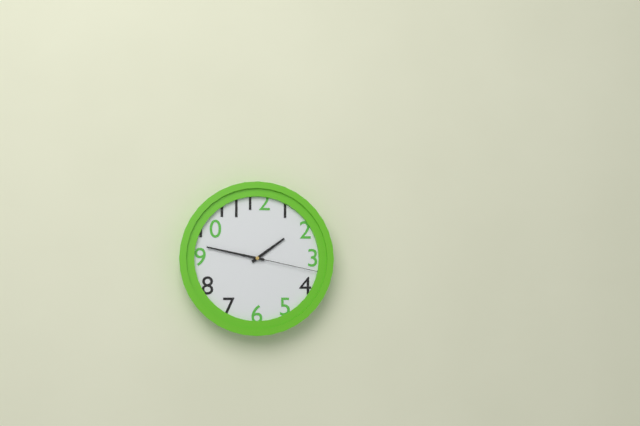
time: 1:47:17
